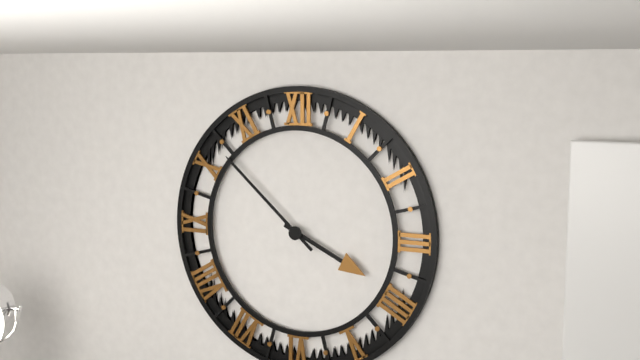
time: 3:52
